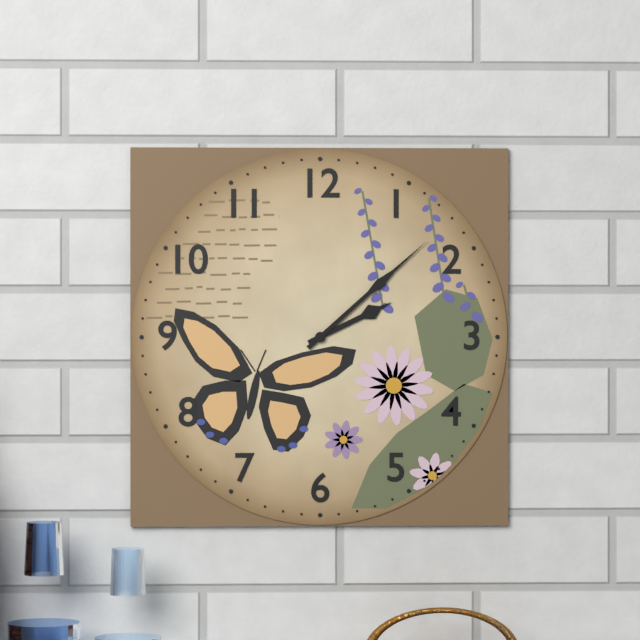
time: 2:08
